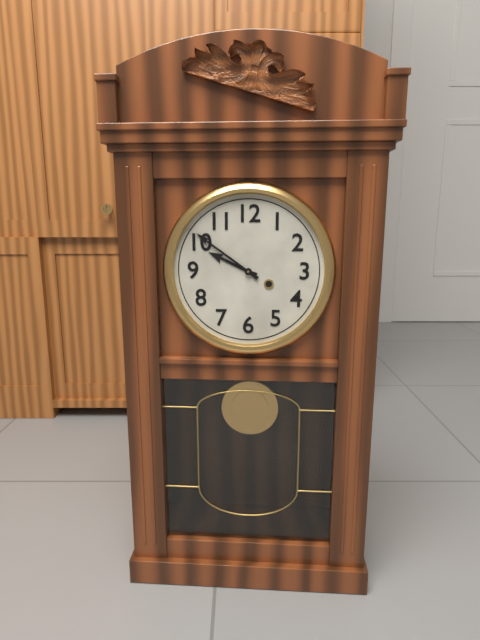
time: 9:51
